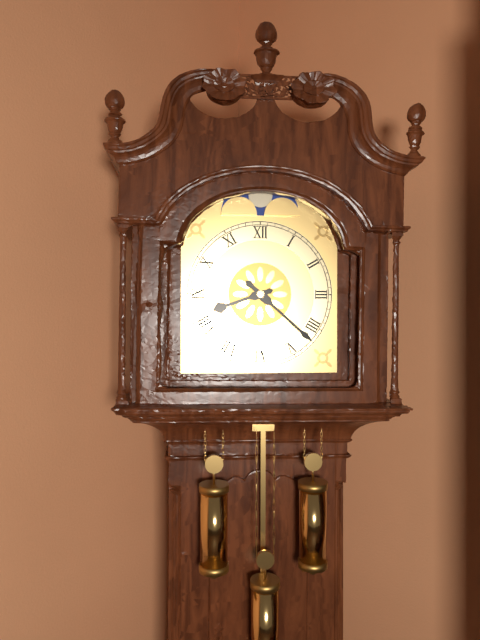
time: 8:22
